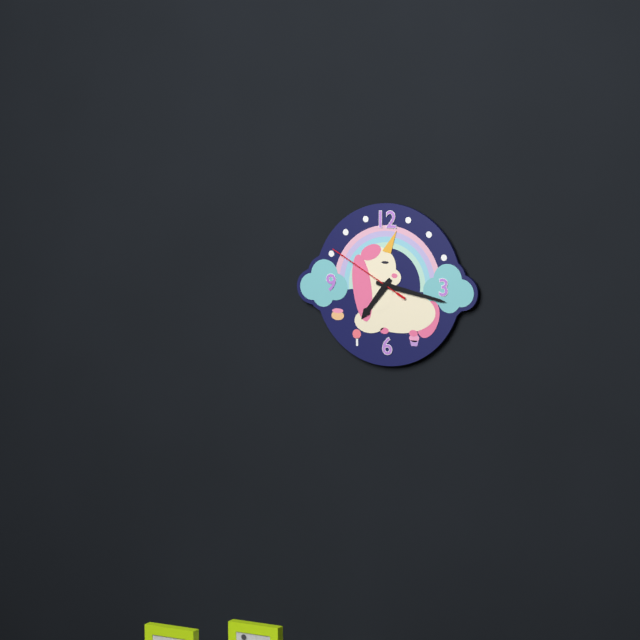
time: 7:17:50
